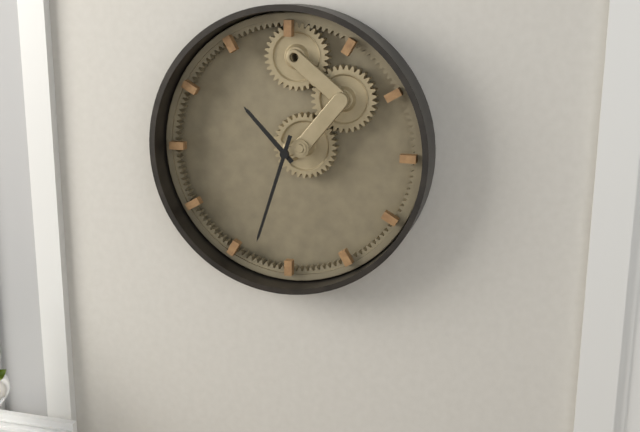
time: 10:33
